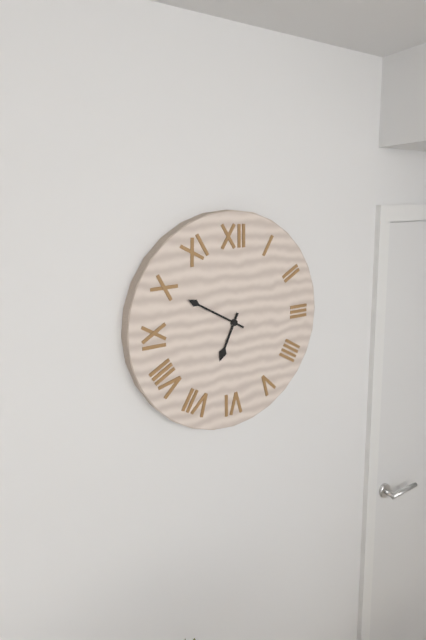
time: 6:50
